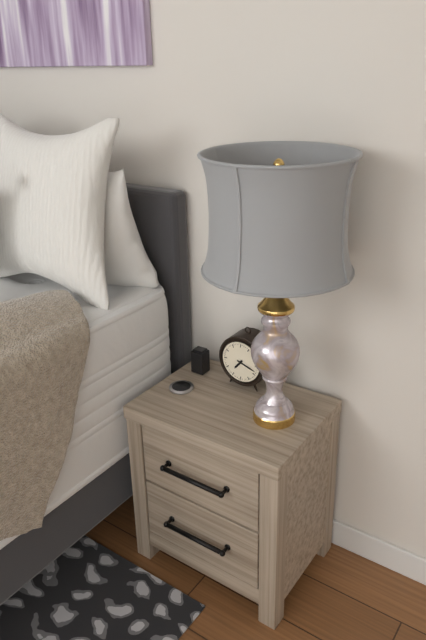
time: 7:18
